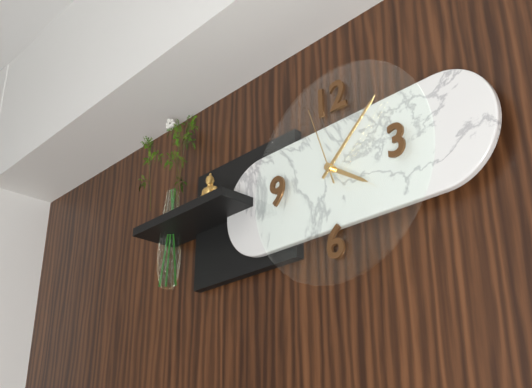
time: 4:08:57
